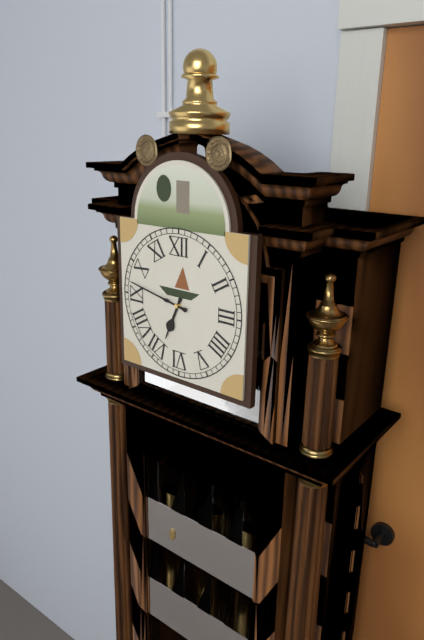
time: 6:47
